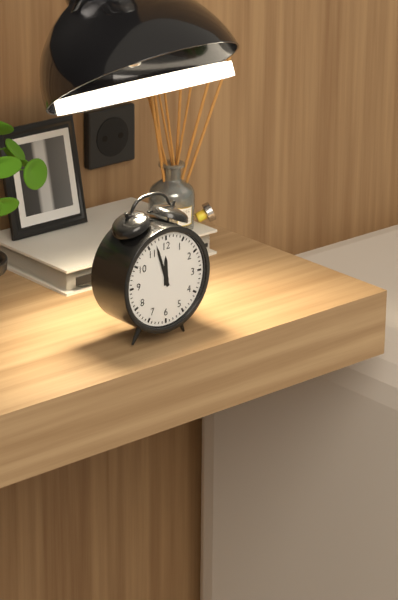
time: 11:57
